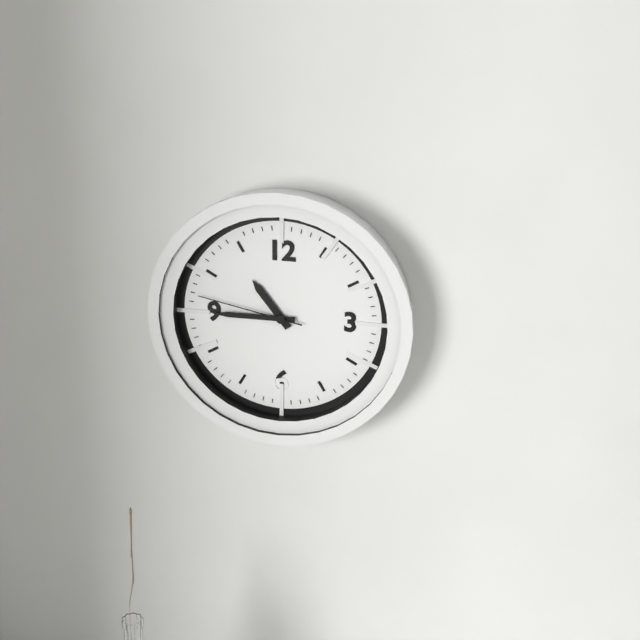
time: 10:45:47
